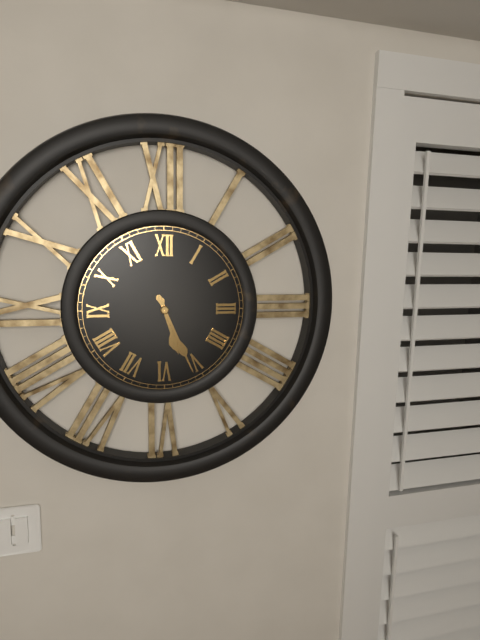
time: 5:26
